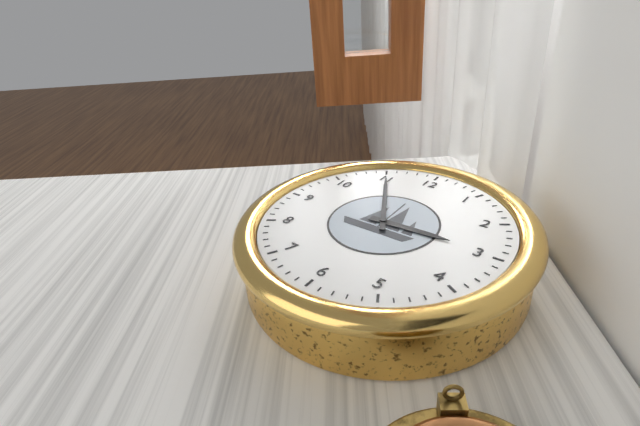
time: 2:55
